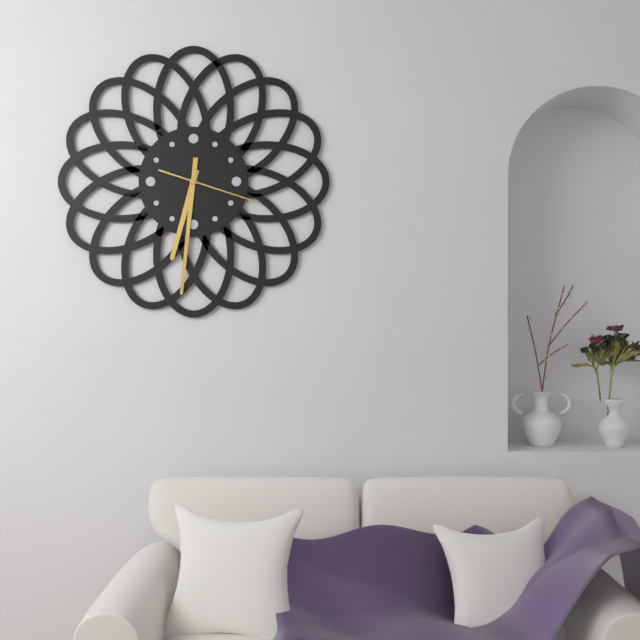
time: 6:31:18
